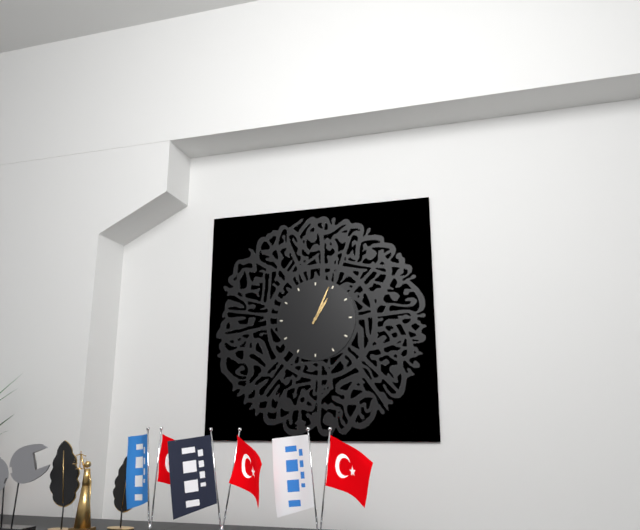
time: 1:04
